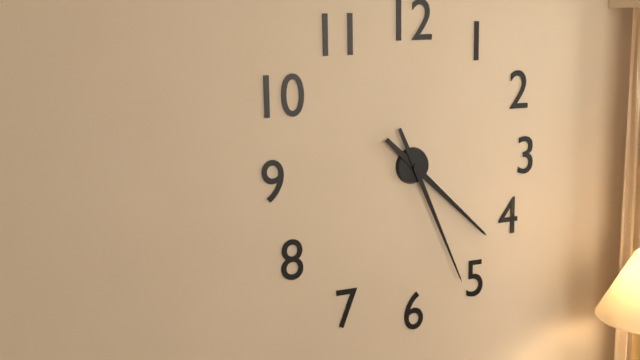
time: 4:26
